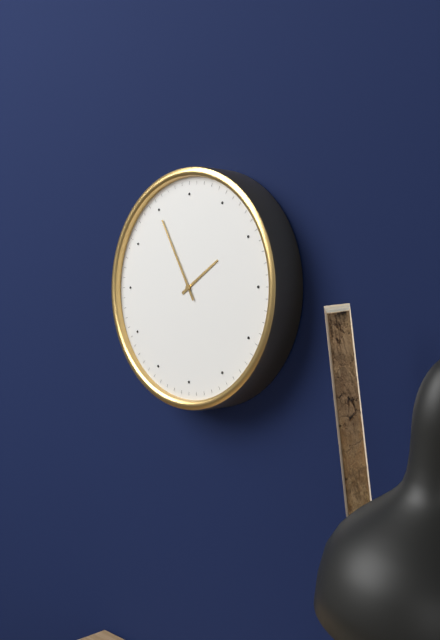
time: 1:55
